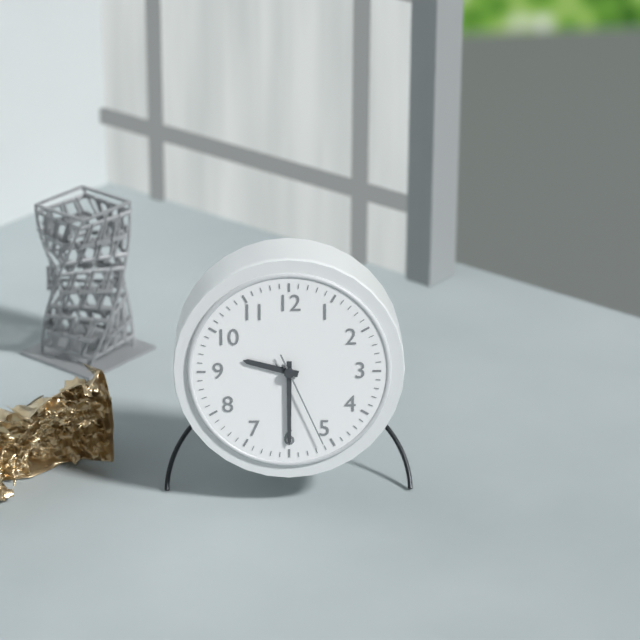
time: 9:30:26
